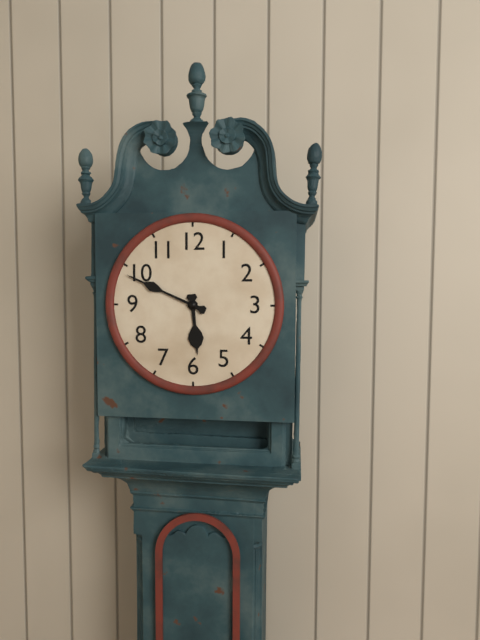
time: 5:49
